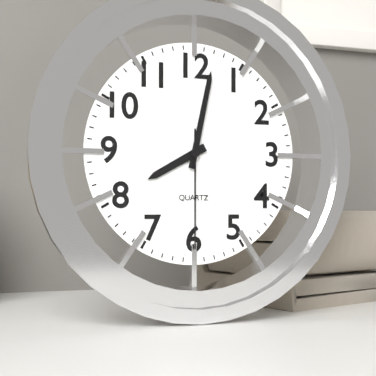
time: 8:02:30
